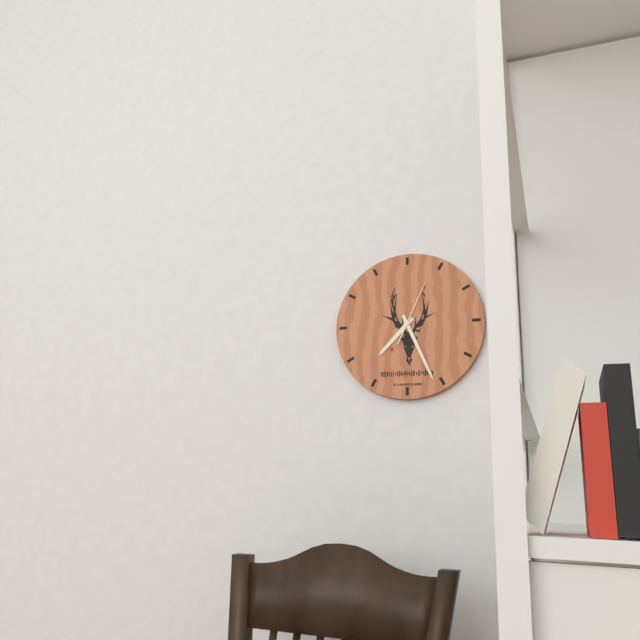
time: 7:26:04
